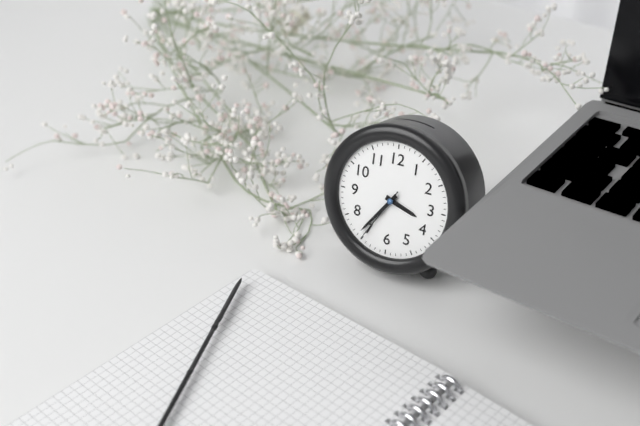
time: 3:36:35
